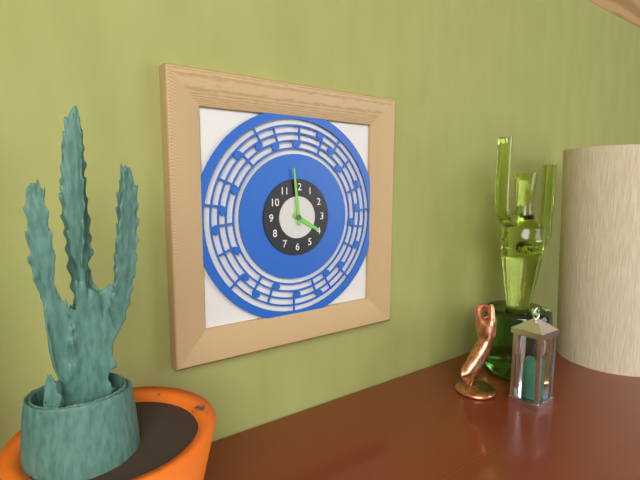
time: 3:59
